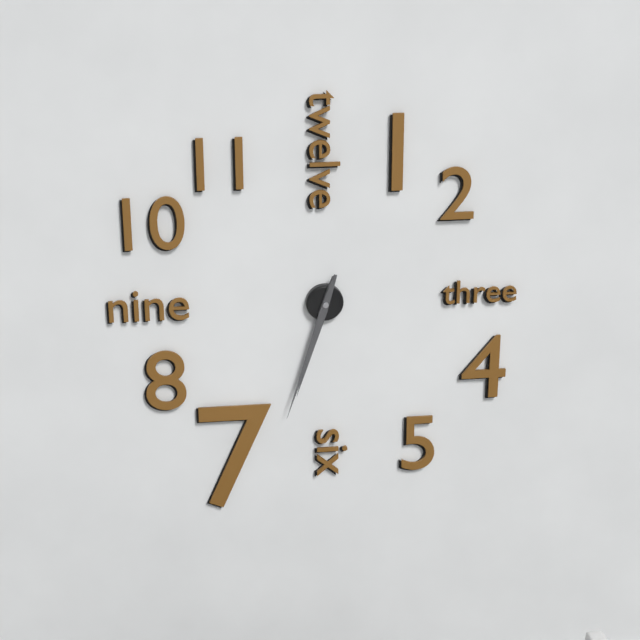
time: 6:33
